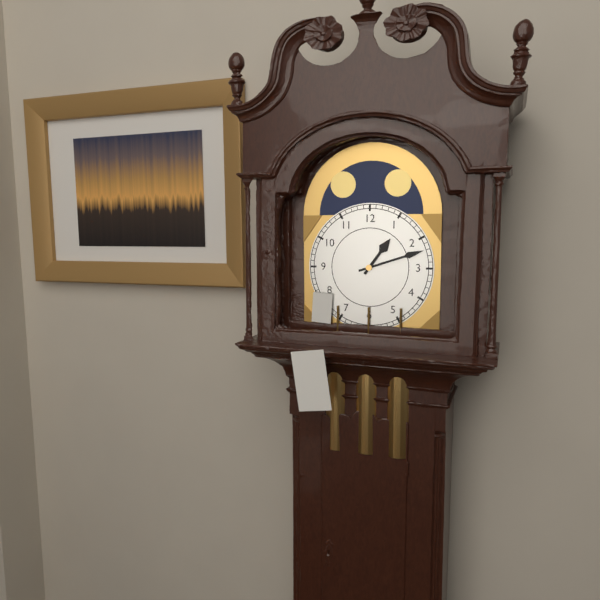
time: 1:12
